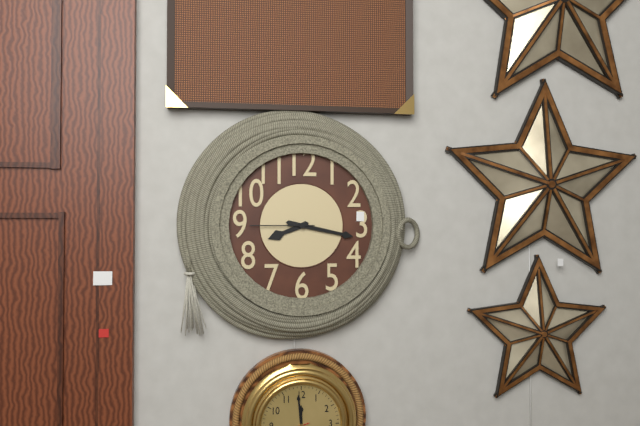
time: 8:17:45
